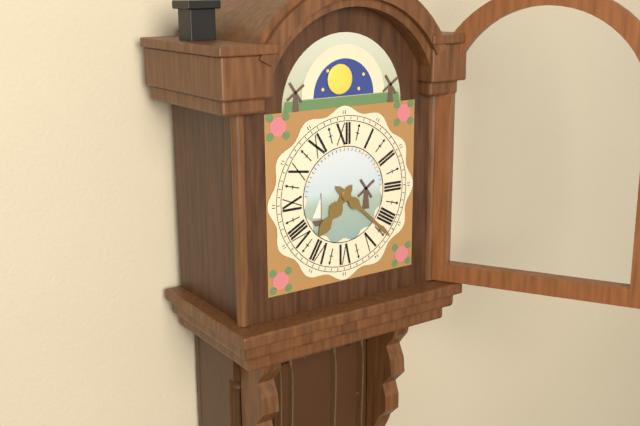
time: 7:22
